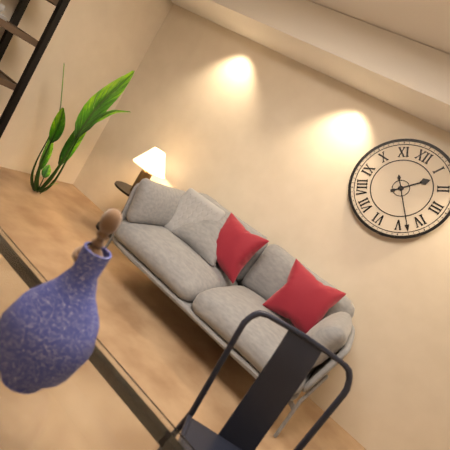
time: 1:23
